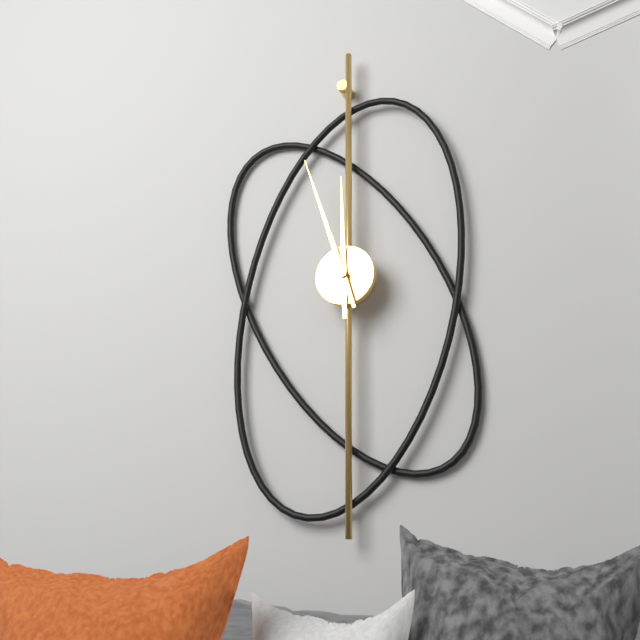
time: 11:57
